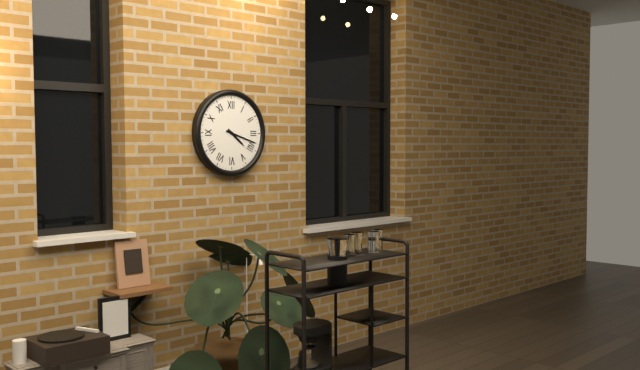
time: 4:18
